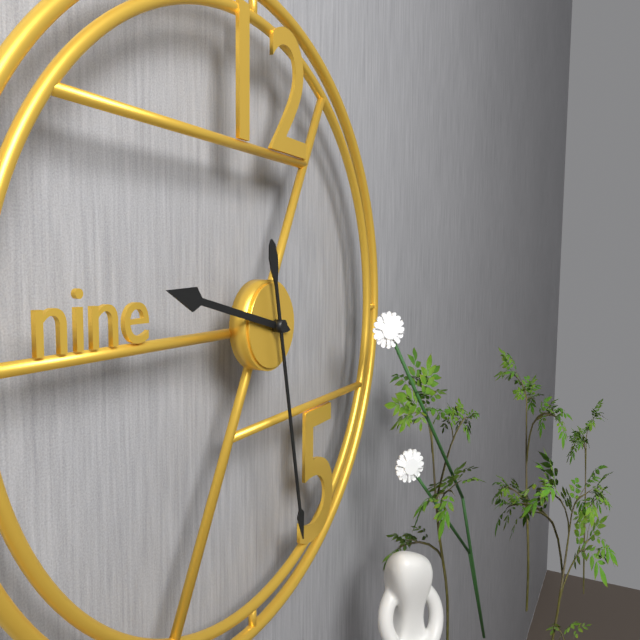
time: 9:28
